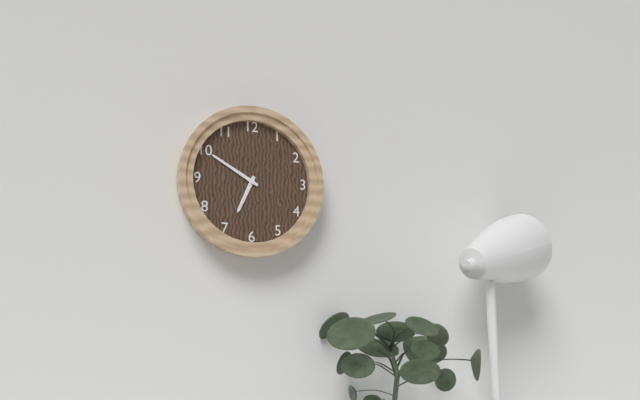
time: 6:50
